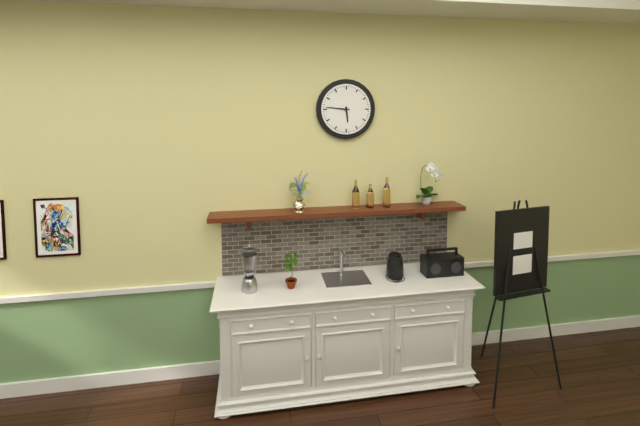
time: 5:46
